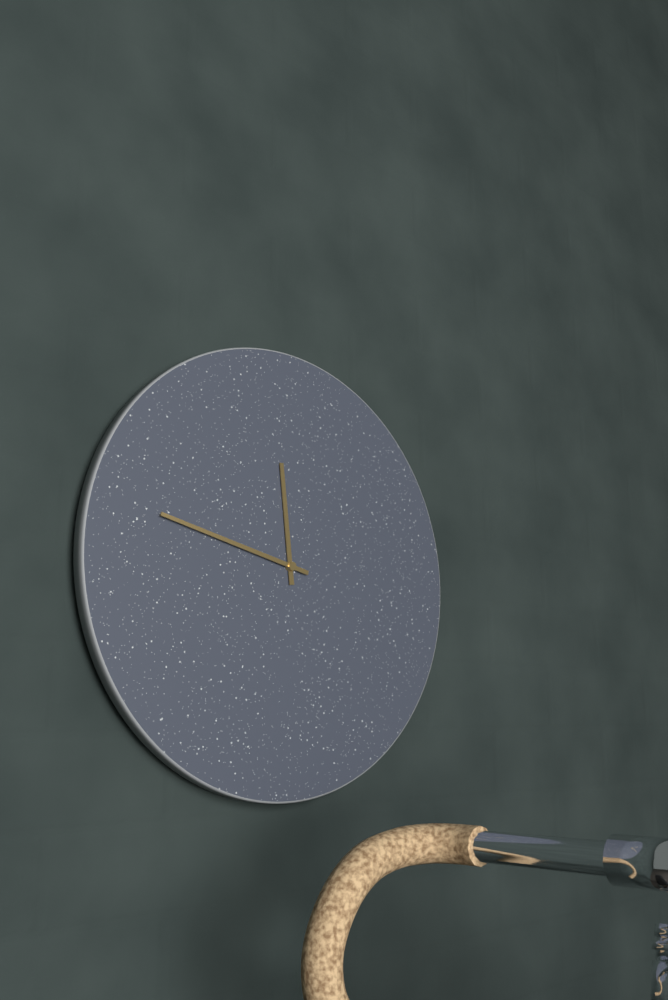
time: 11:47
